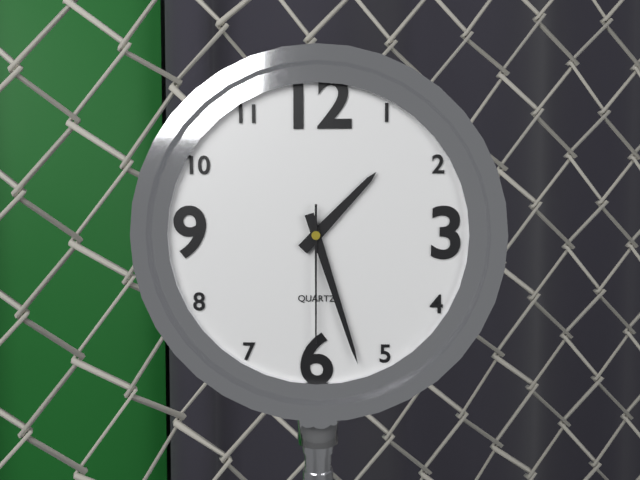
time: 1:27:30
